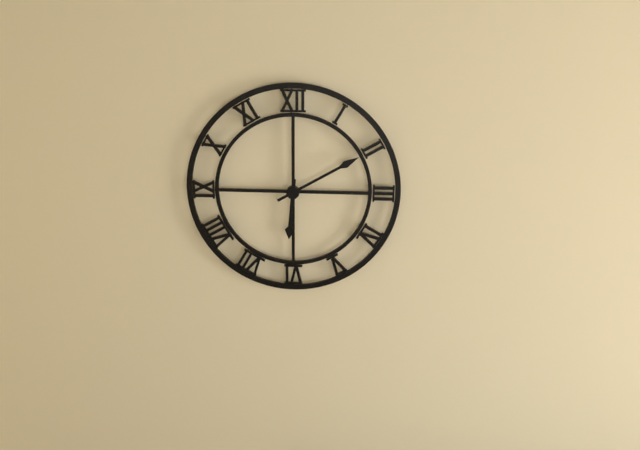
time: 6:10
